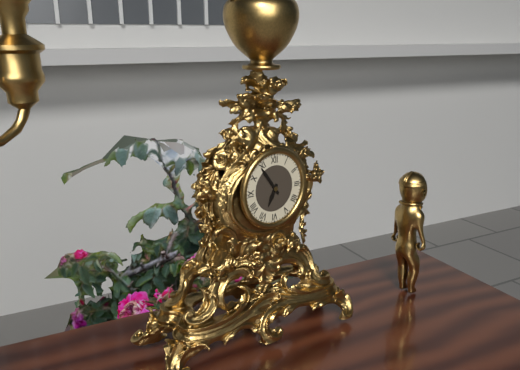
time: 6:54
